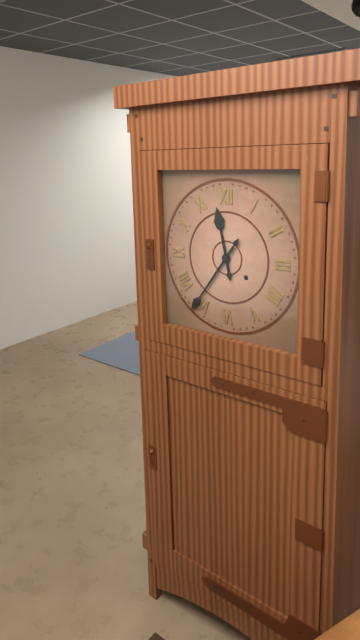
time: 11:36
